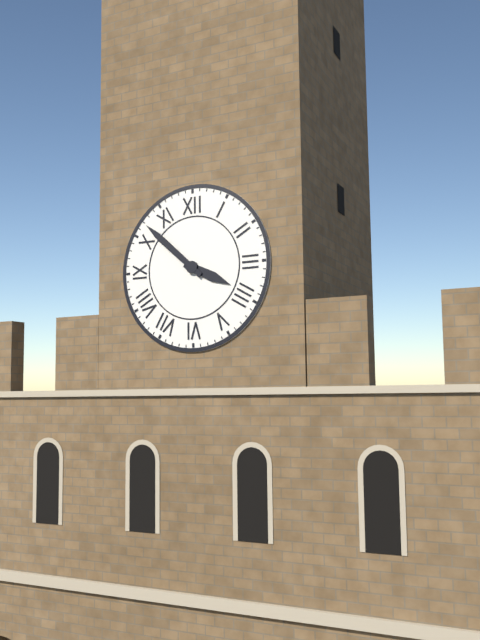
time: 3:52
